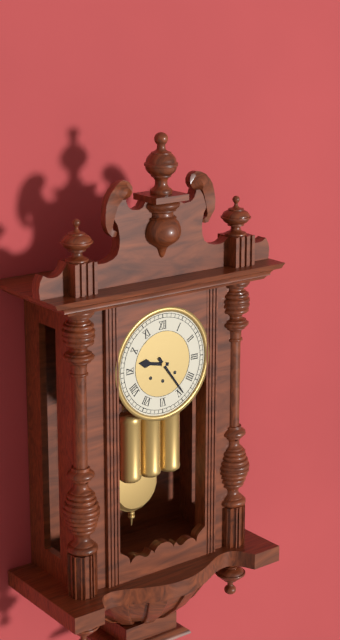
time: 9:24
